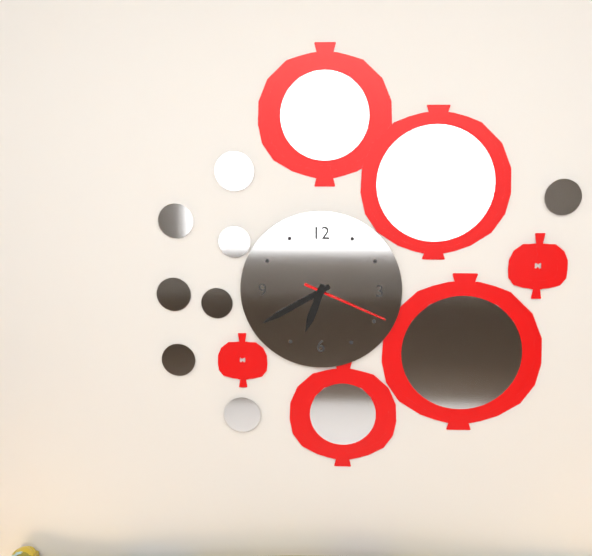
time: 6:40:19
